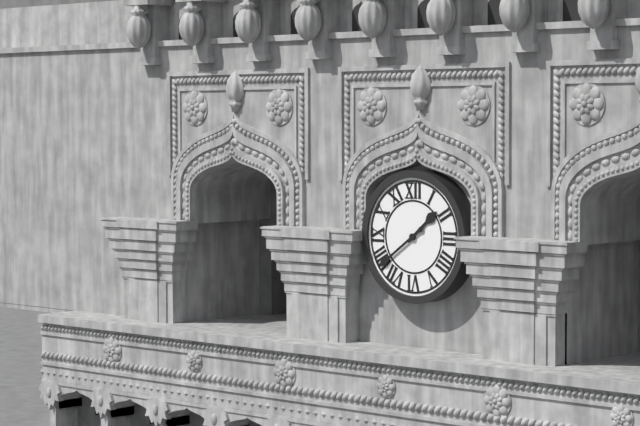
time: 1:39
